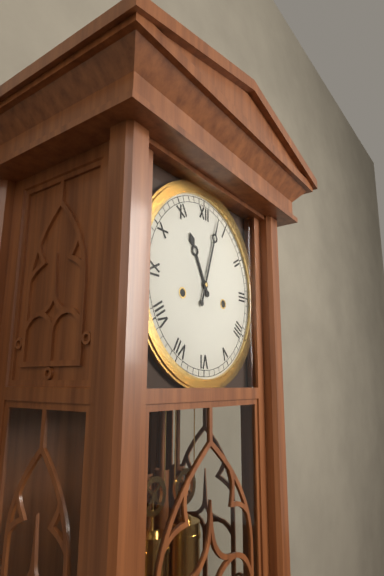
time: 11:03
